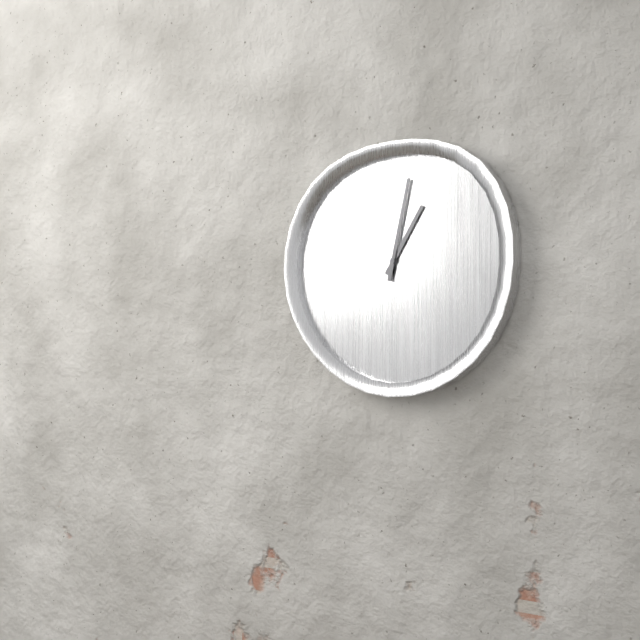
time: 1:02
